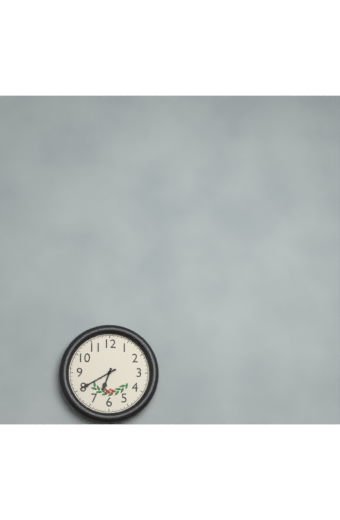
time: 6:40
